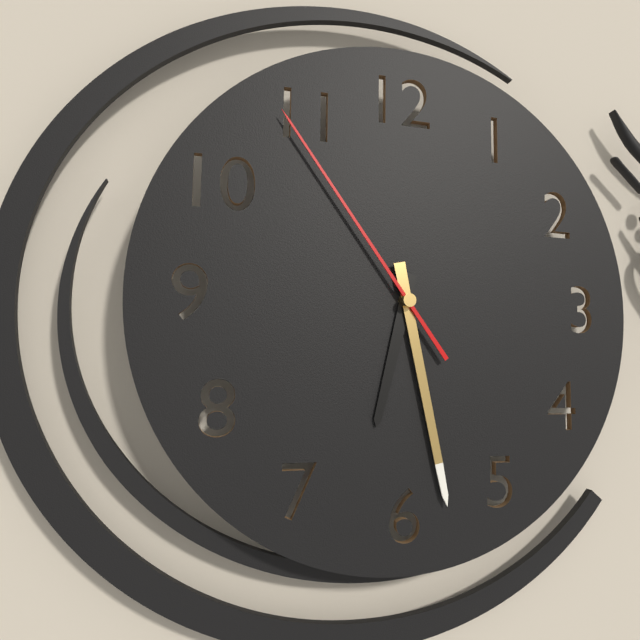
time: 6:28:54
